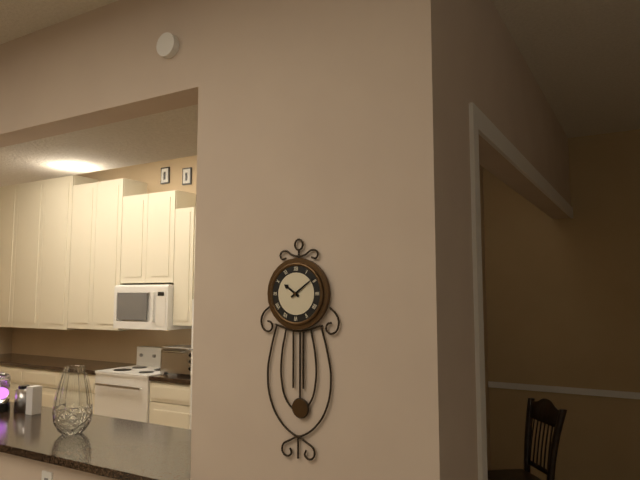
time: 10:09
